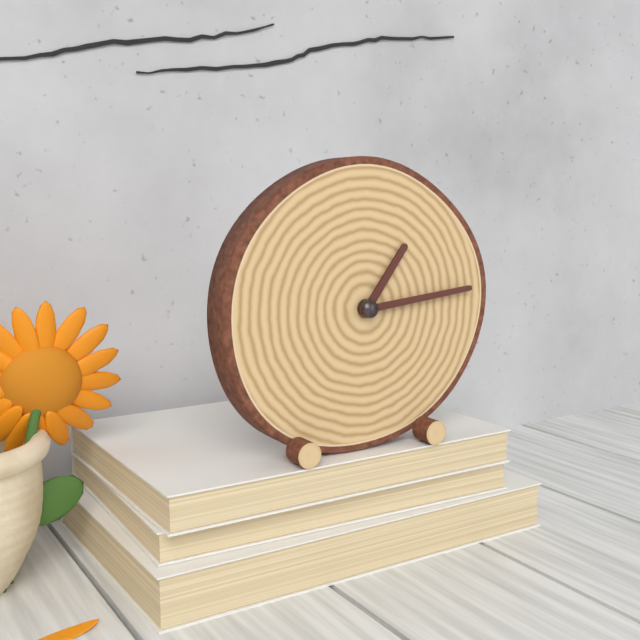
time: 1:14
